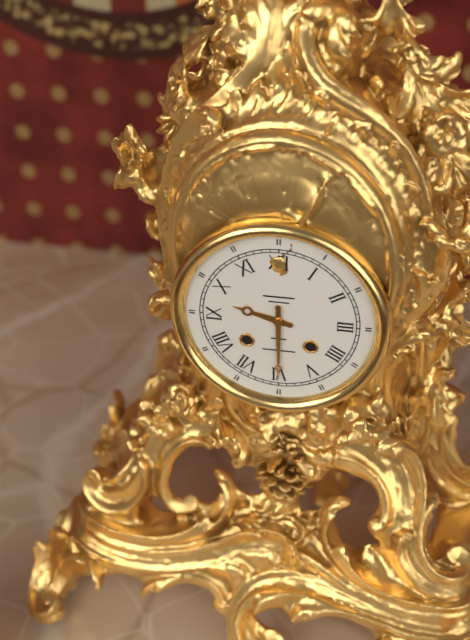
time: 9:30
